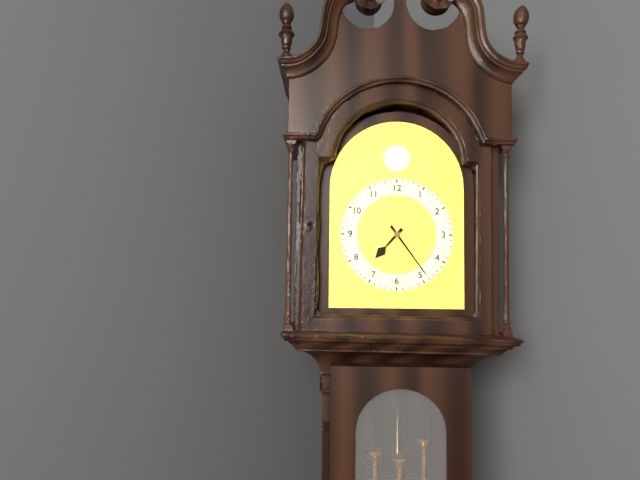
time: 7:24
